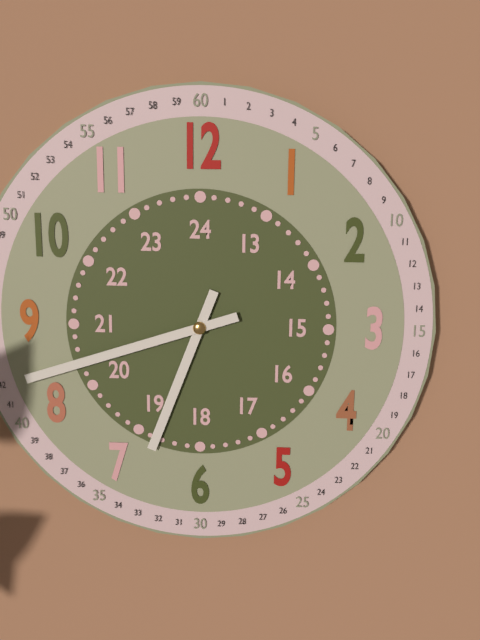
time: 6:42
